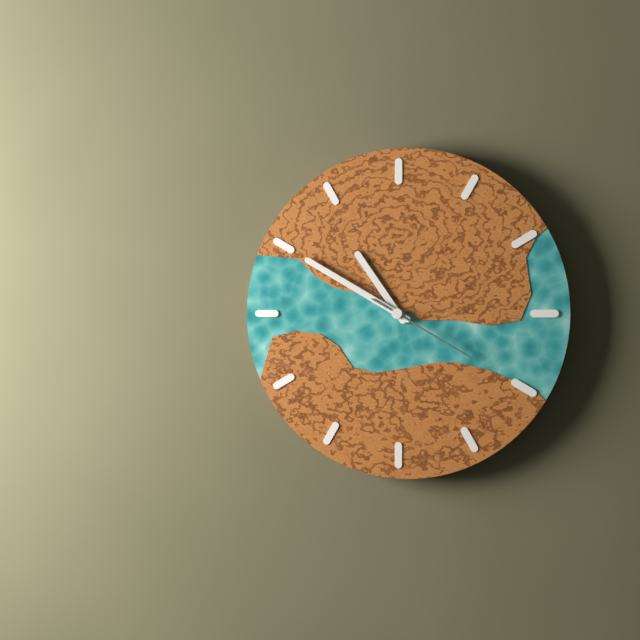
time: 10:50:20
